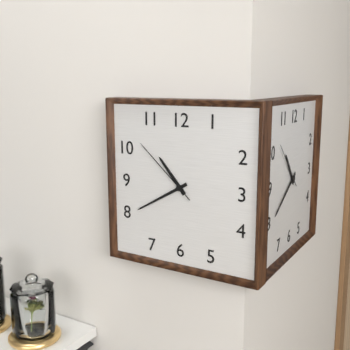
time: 10:40:52
